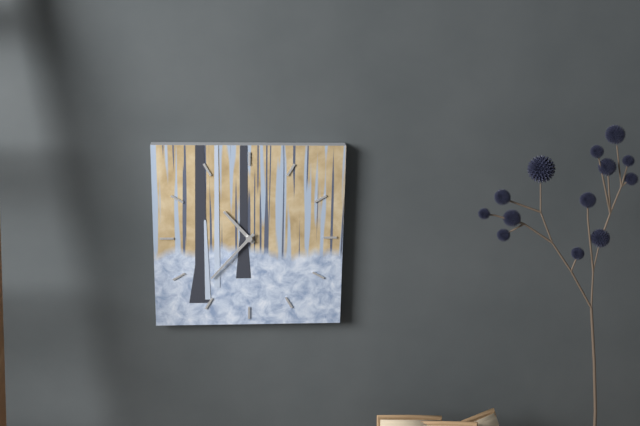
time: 10:37
